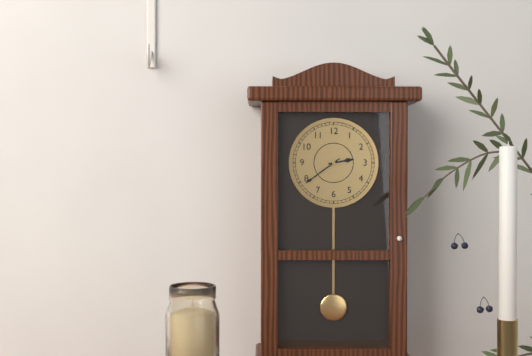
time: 2:39
